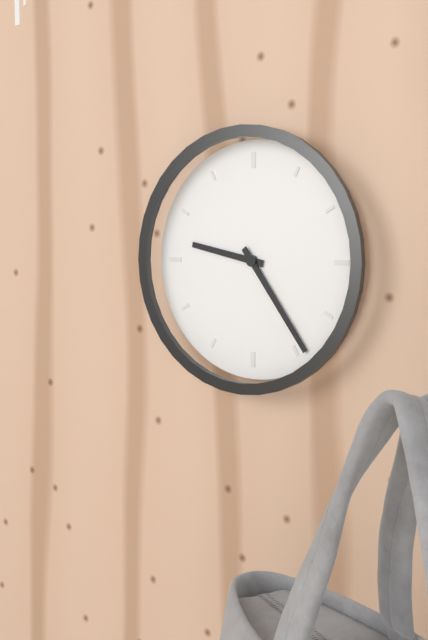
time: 9:24
